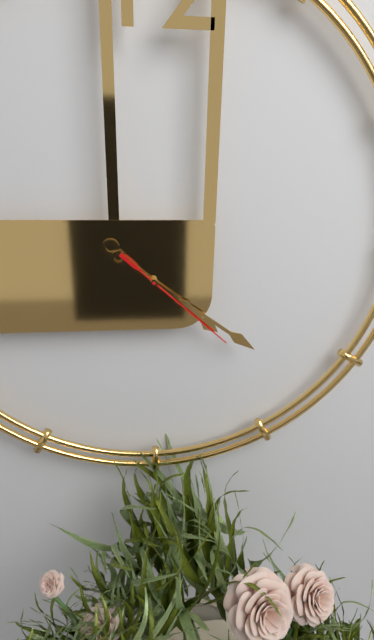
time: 4:21:22
